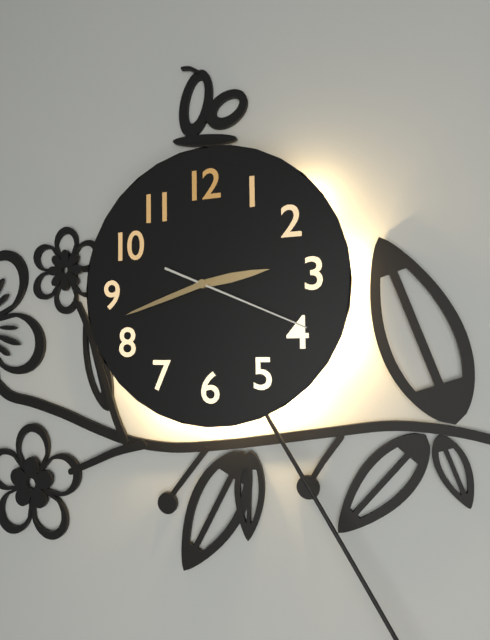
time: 2:42:19
